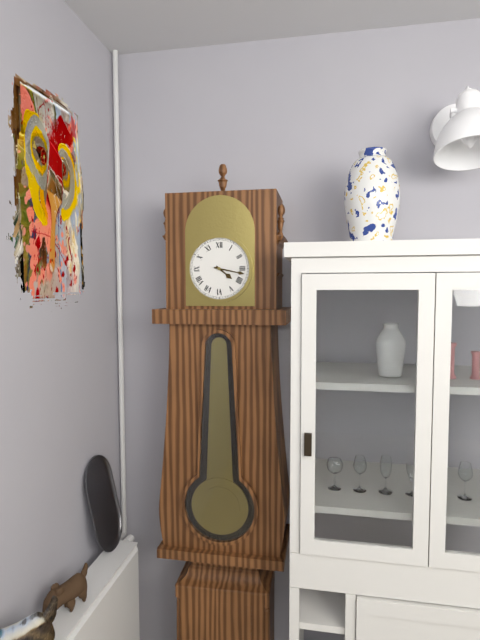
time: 4:17
